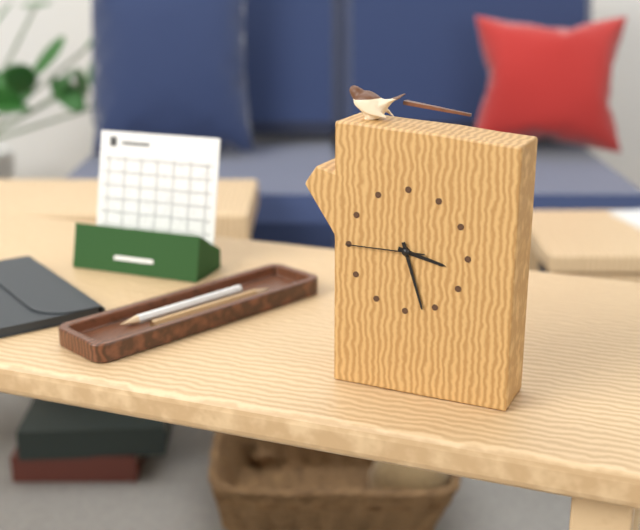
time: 3:27:45
